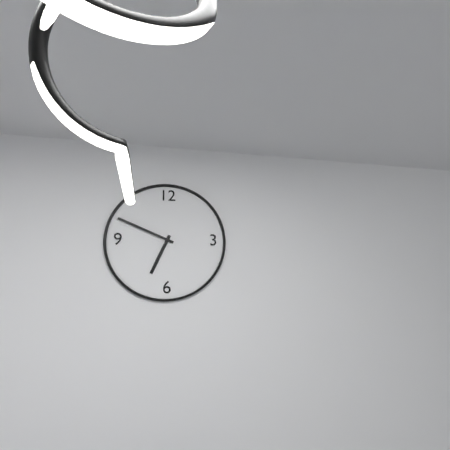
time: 6:49
